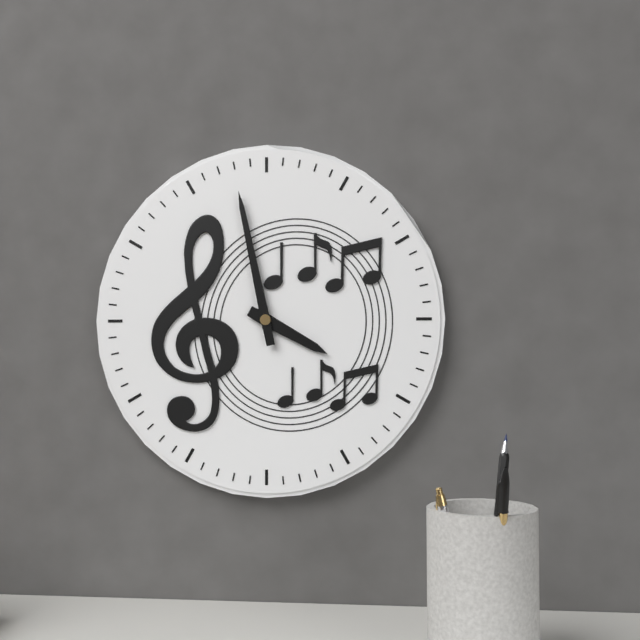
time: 3:58
